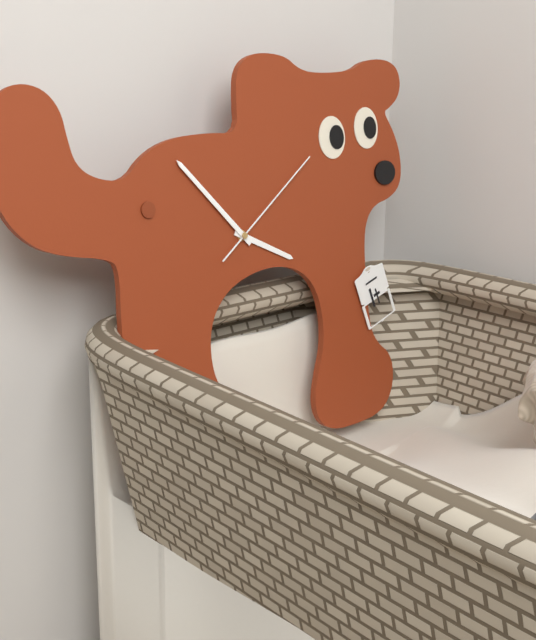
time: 3:53:09
